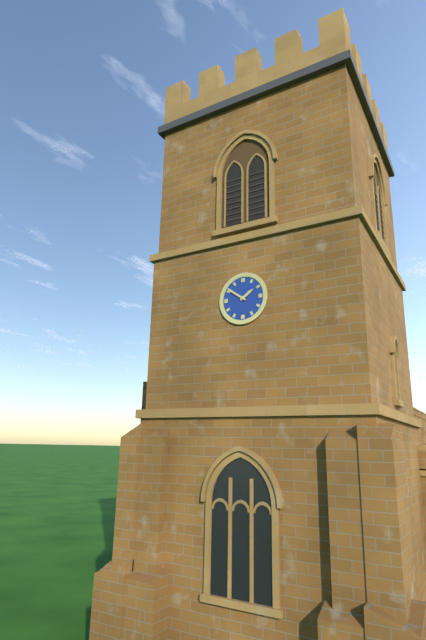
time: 1:51
